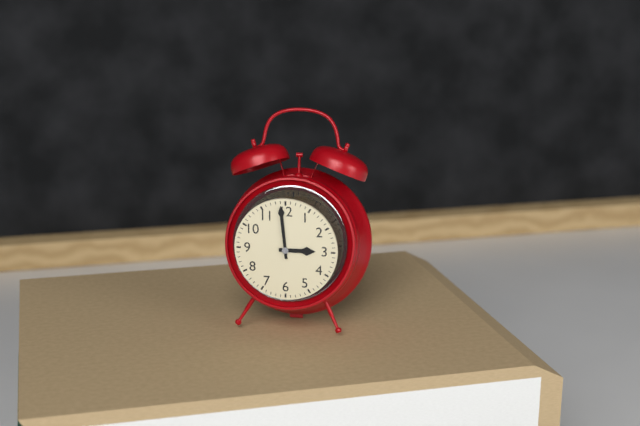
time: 2:59
